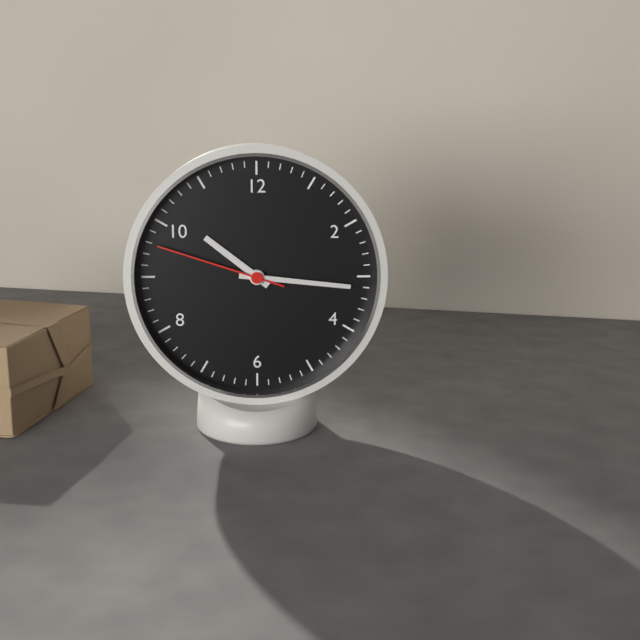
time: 10:16:48
